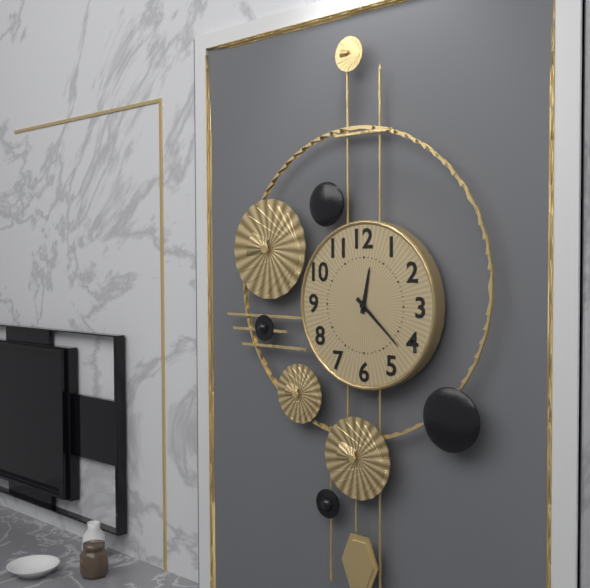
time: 12:22
